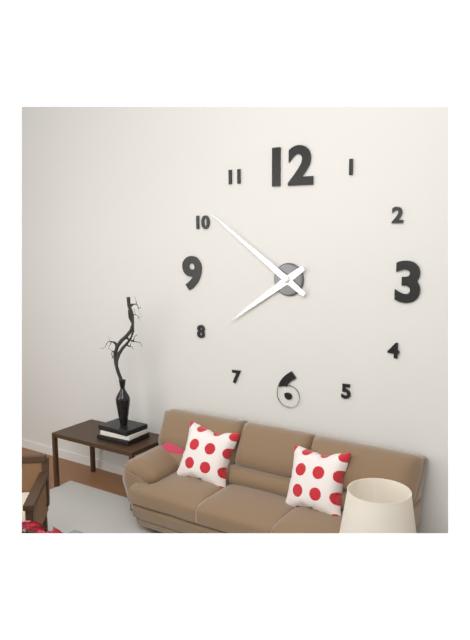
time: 7:51
